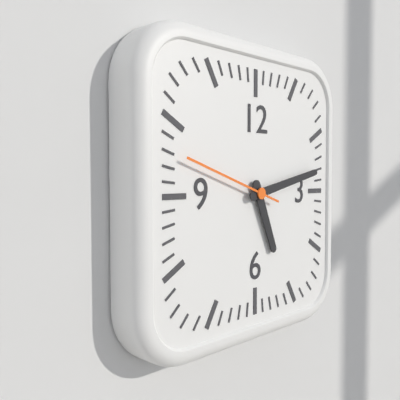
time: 5:13:48
